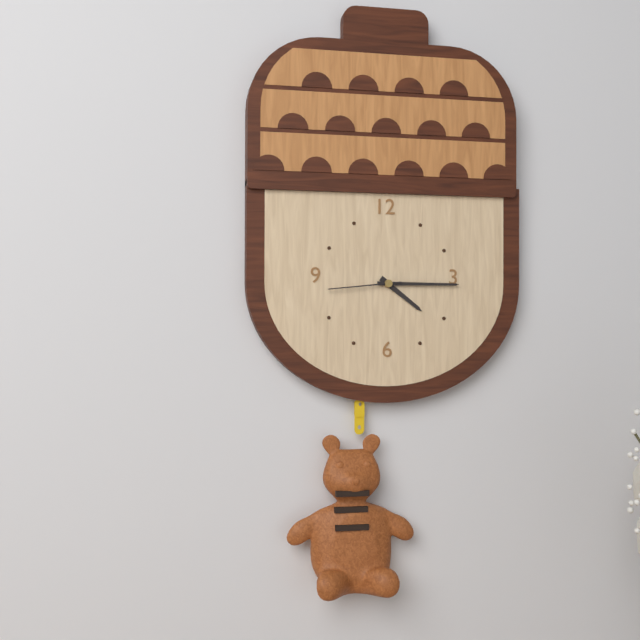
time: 4:15:44
